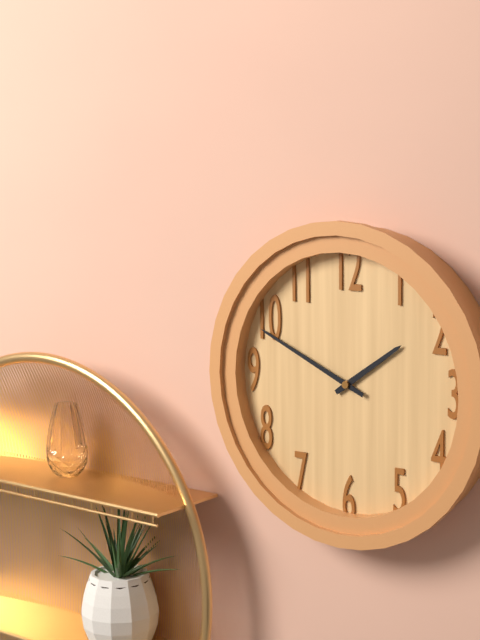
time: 1:49
